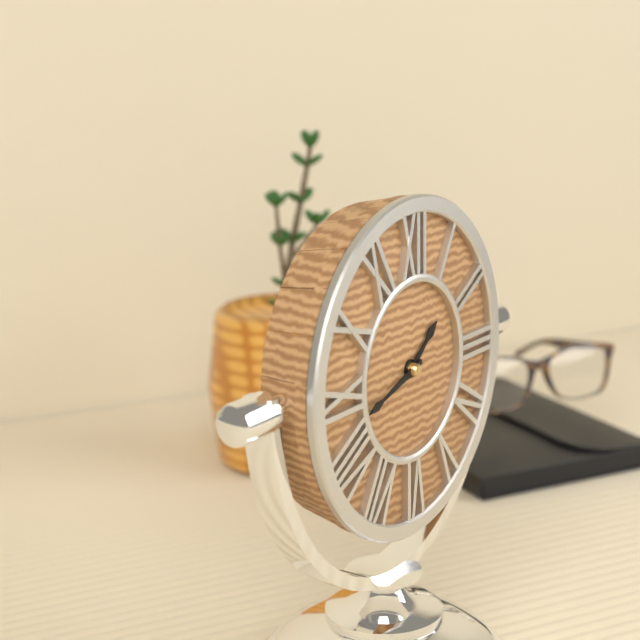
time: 1:42
